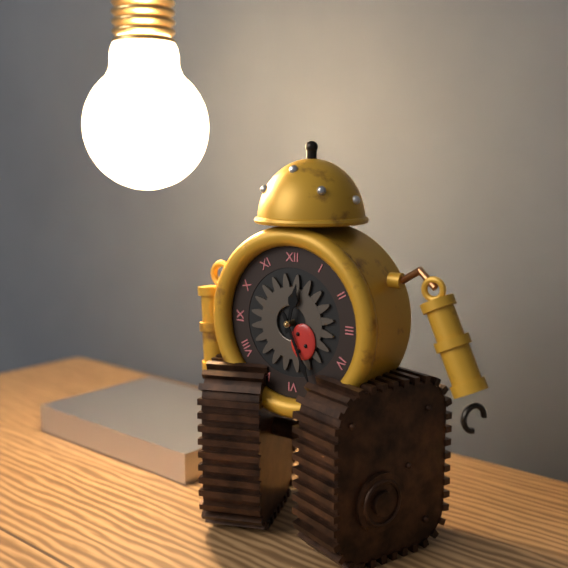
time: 12:26
